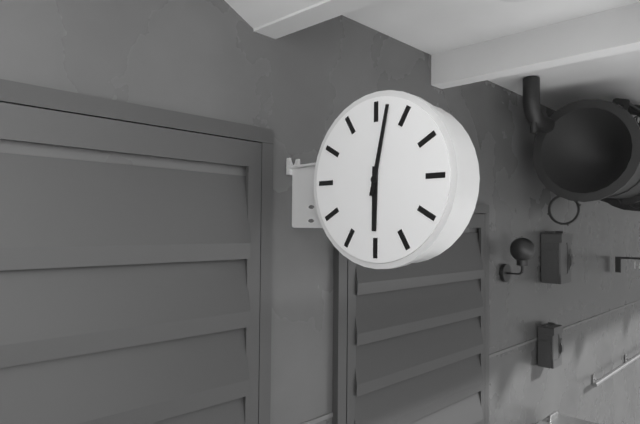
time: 6:02
